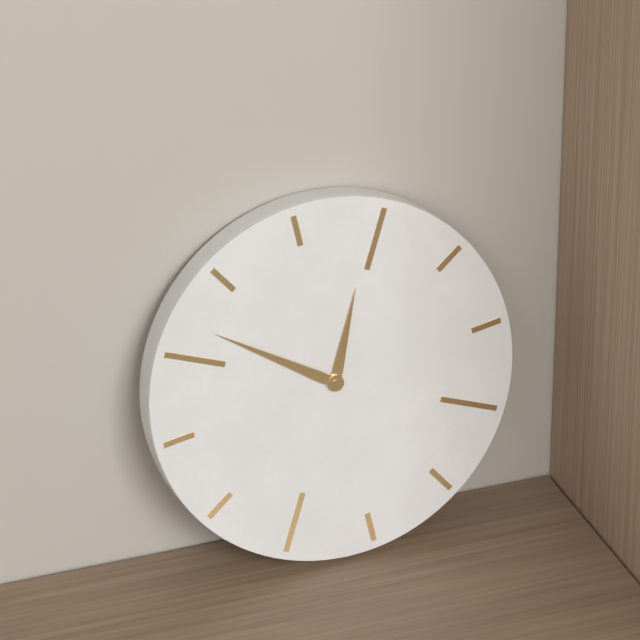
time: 12:52
